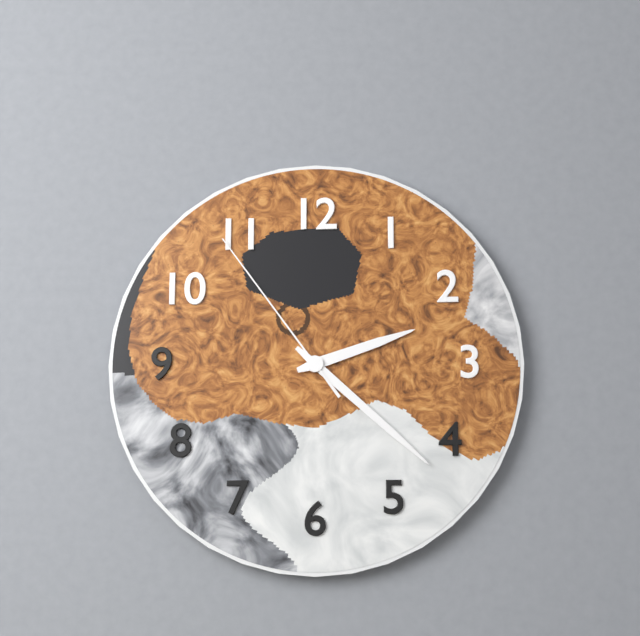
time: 2:22:54
